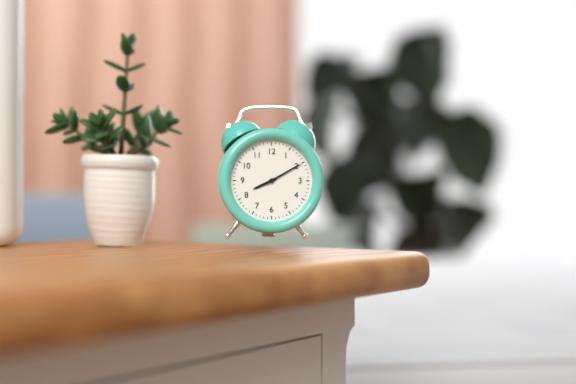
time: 8:10
